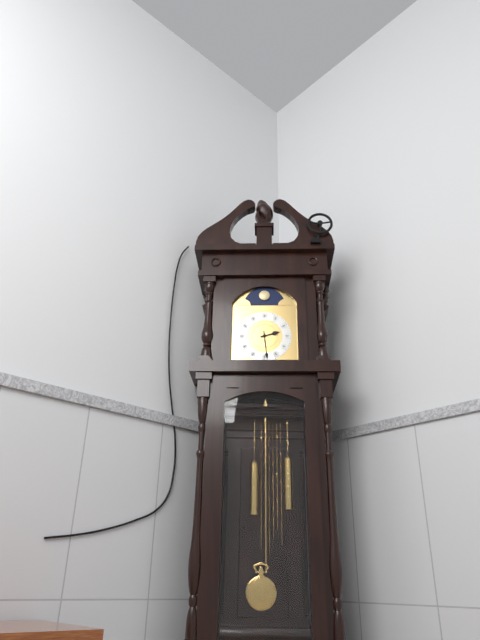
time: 2:29
